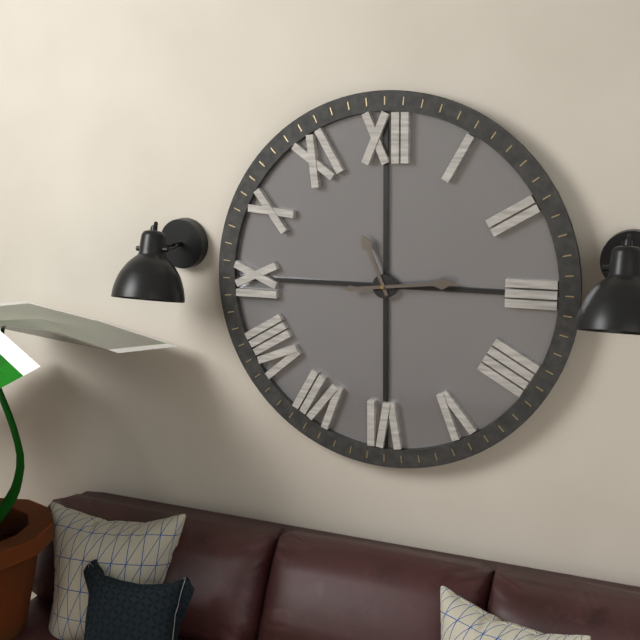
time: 11:14
